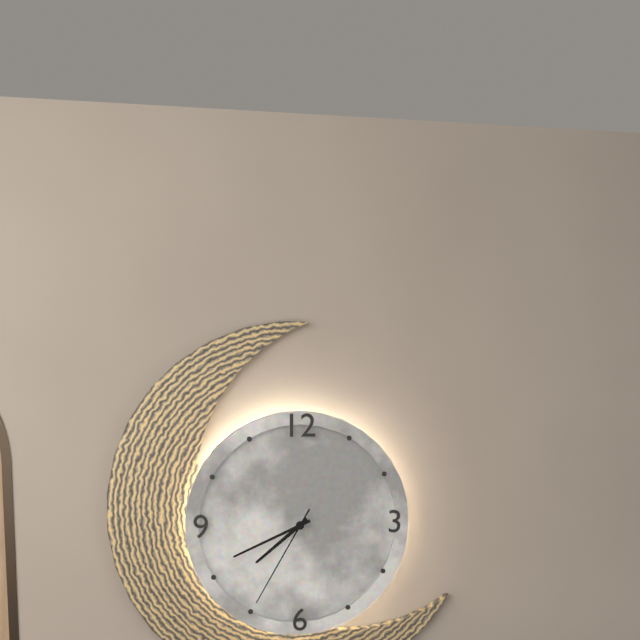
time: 7:41:35
